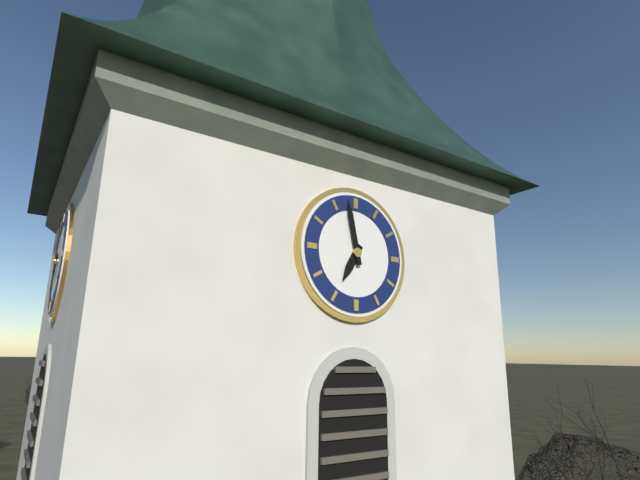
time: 6:58
